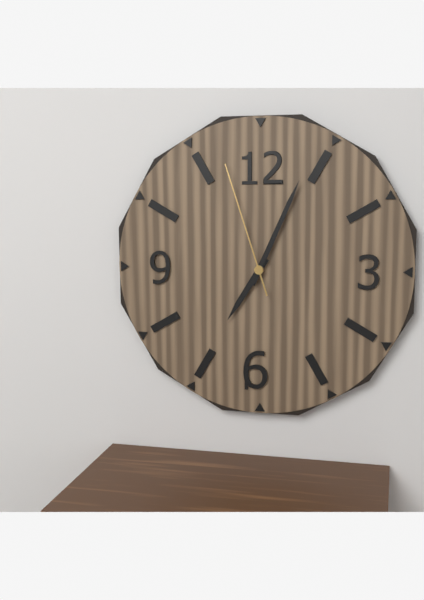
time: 7:04:57
